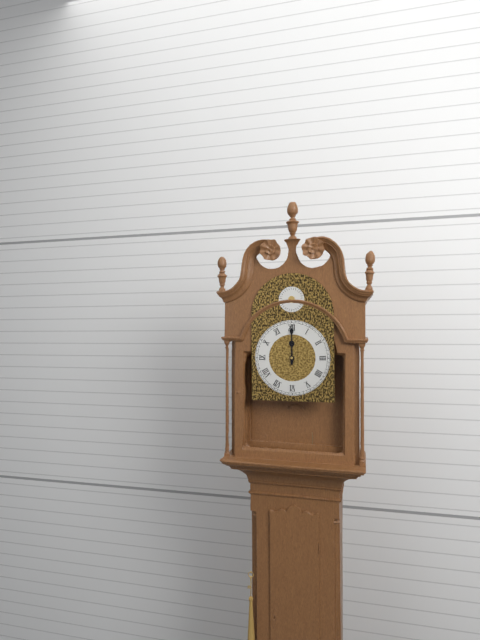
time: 12:00
